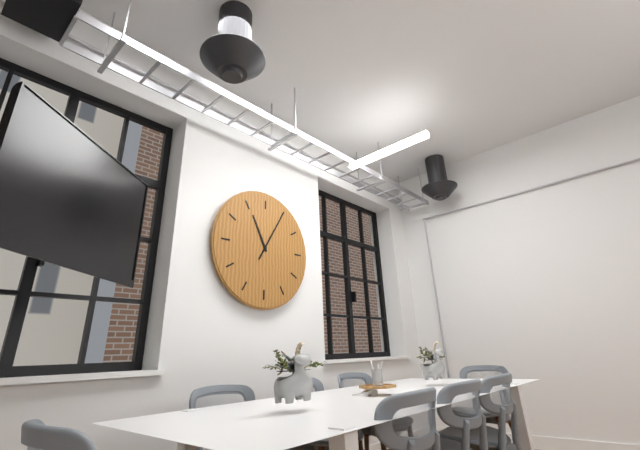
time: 11:05
